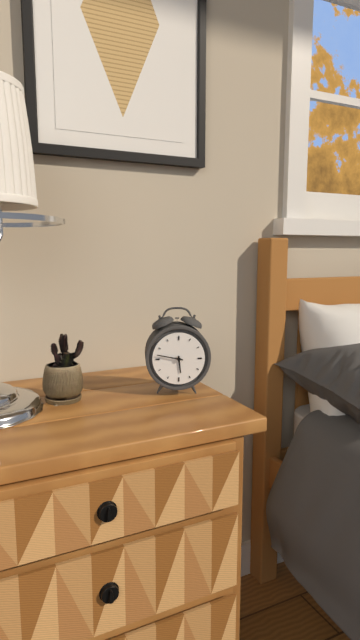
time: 5:47
